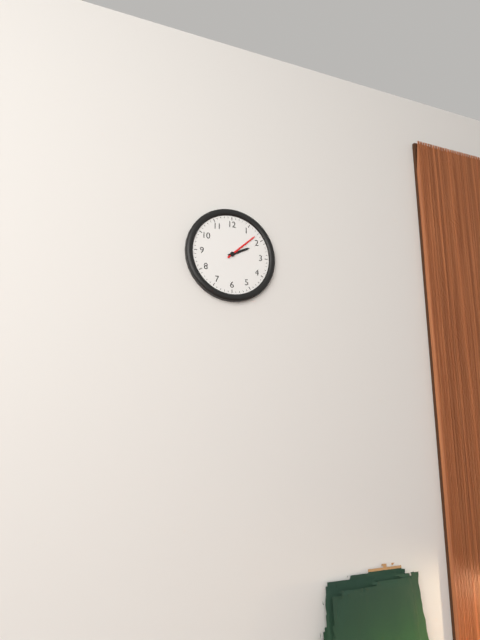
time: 2:08
